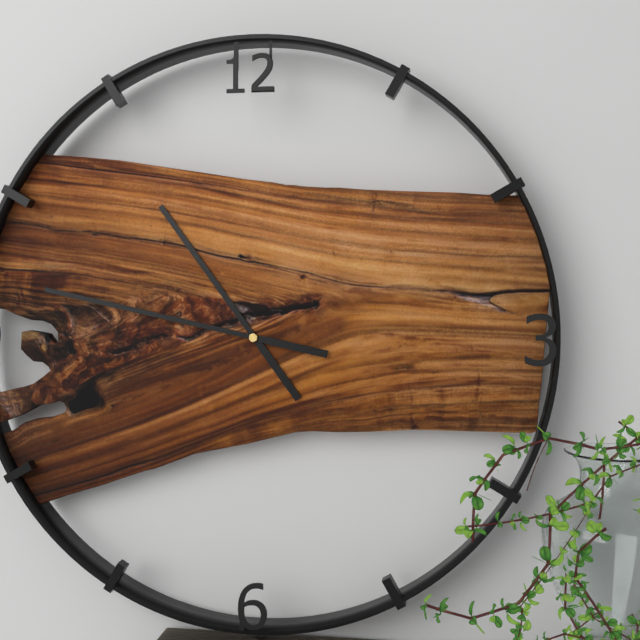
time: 10:47
